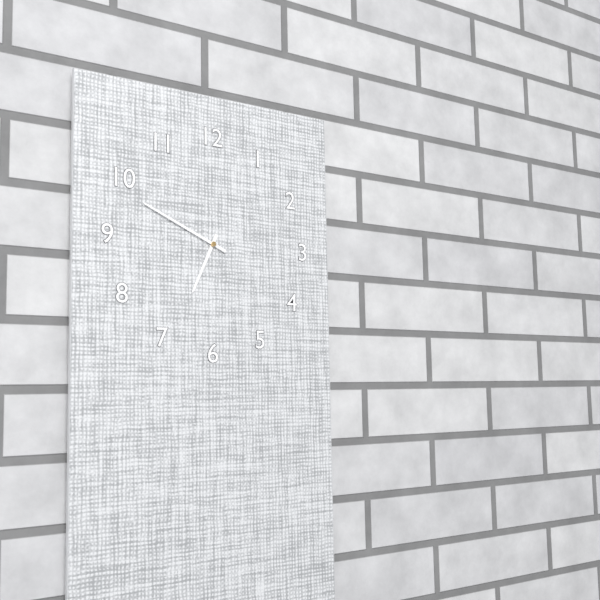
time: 6:49
